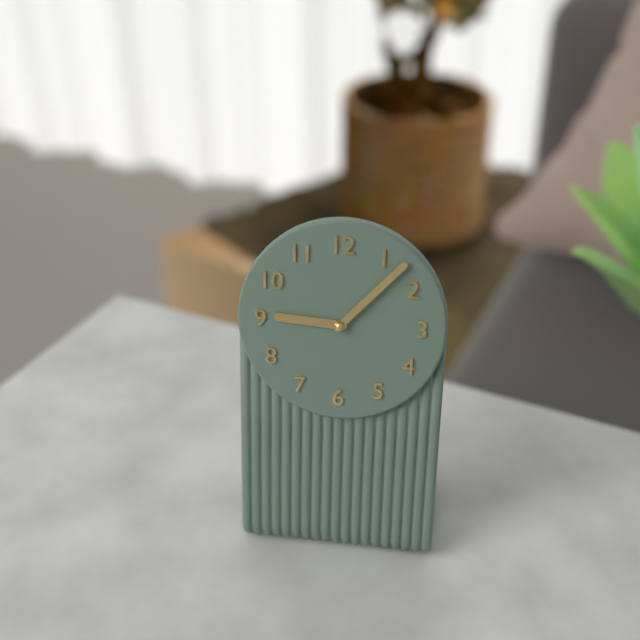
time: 9:07
